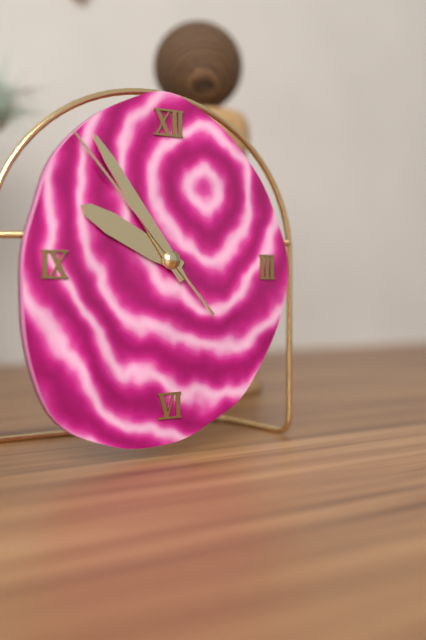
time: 9:54:53
